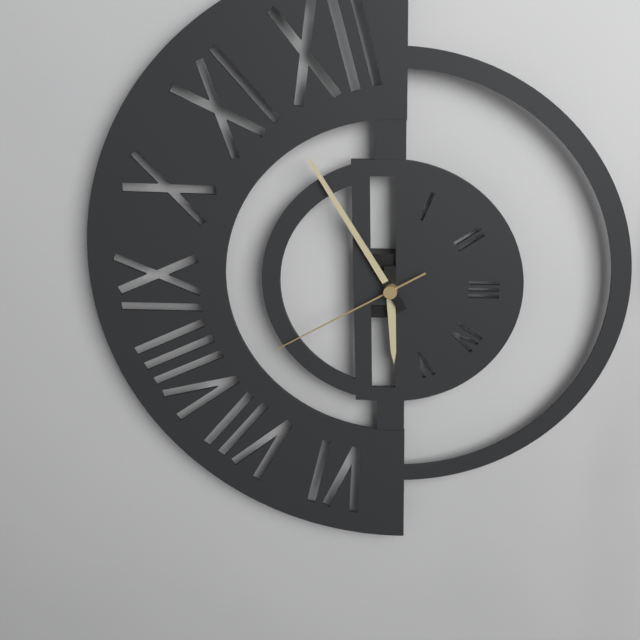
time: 5:55:40
